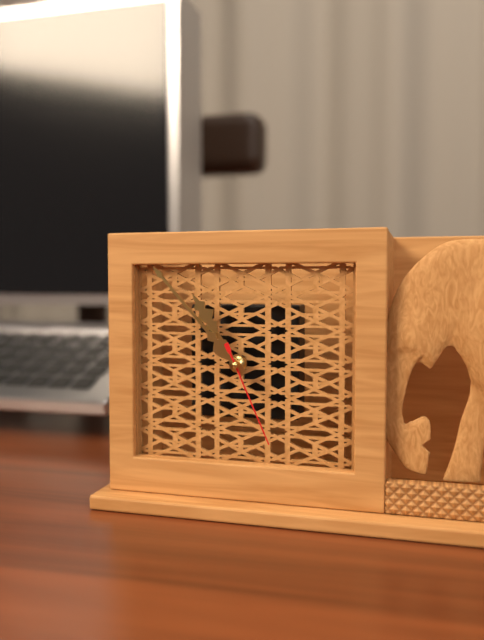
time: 10:53:26
